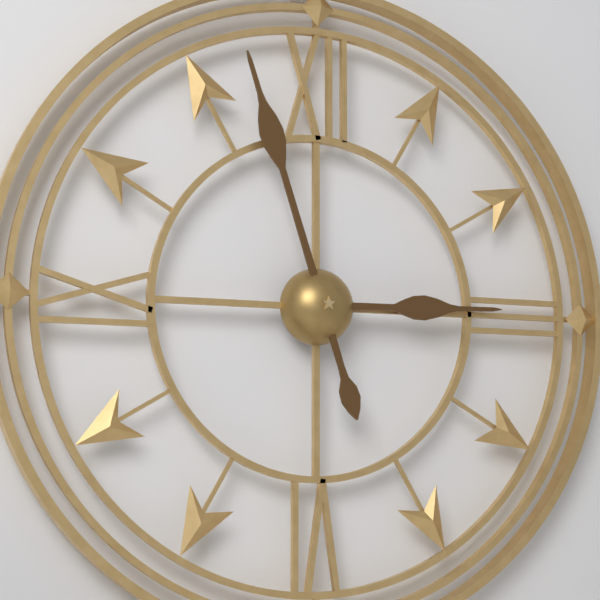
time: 2:57
